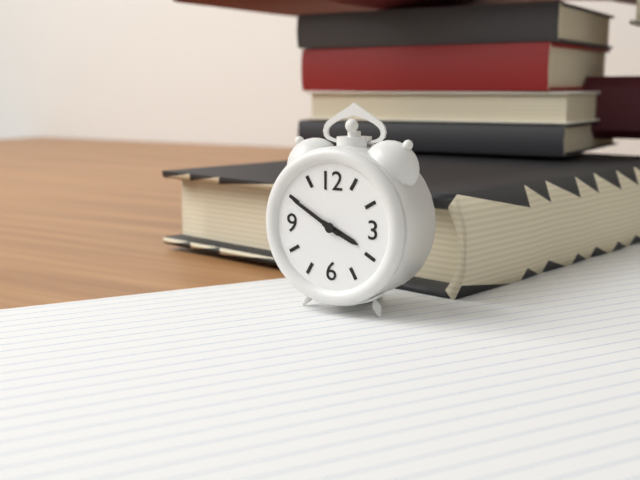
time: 3:50
